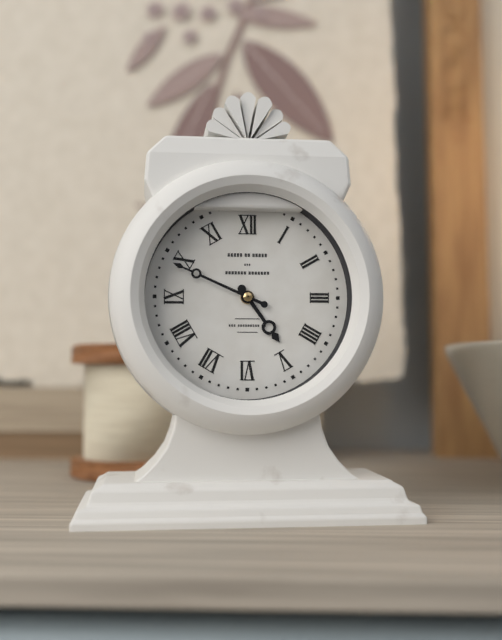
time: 4:49
